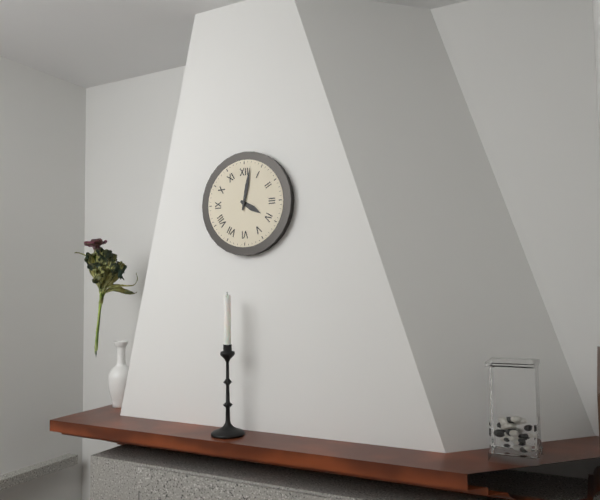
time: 4:02
